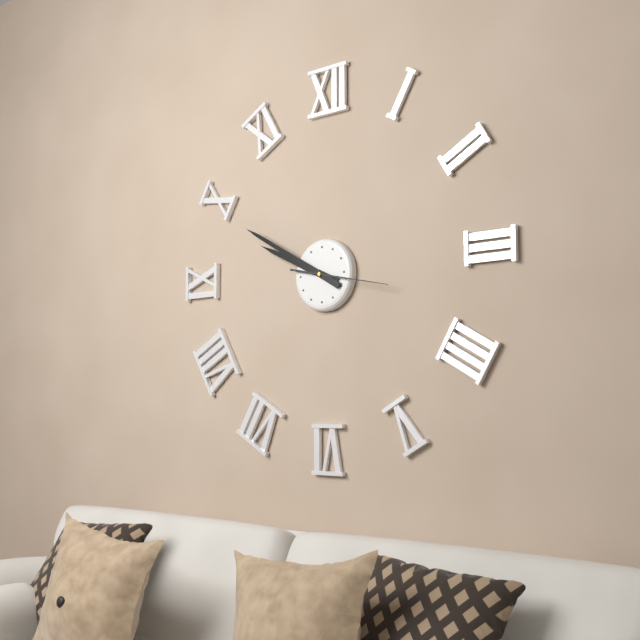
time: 9:50:17
